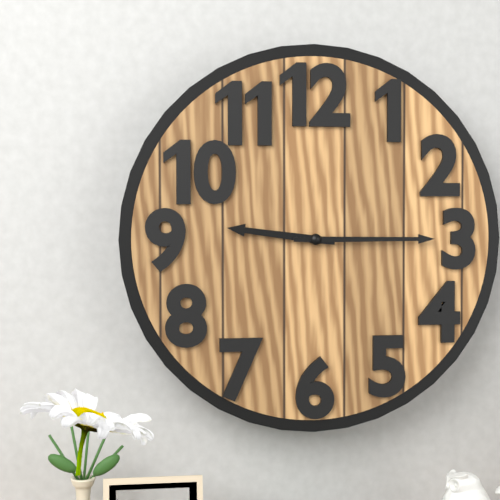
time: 9:15
